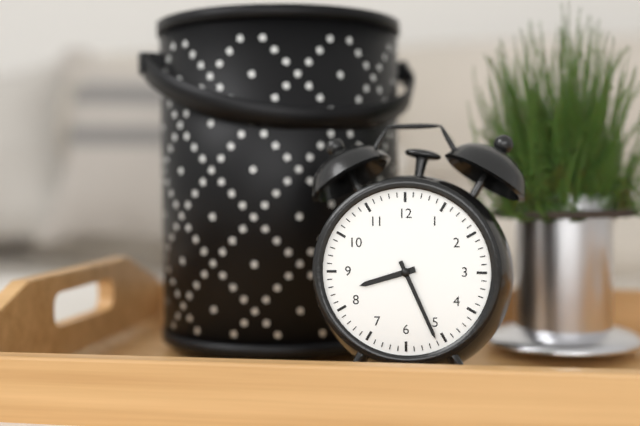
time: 8:26
